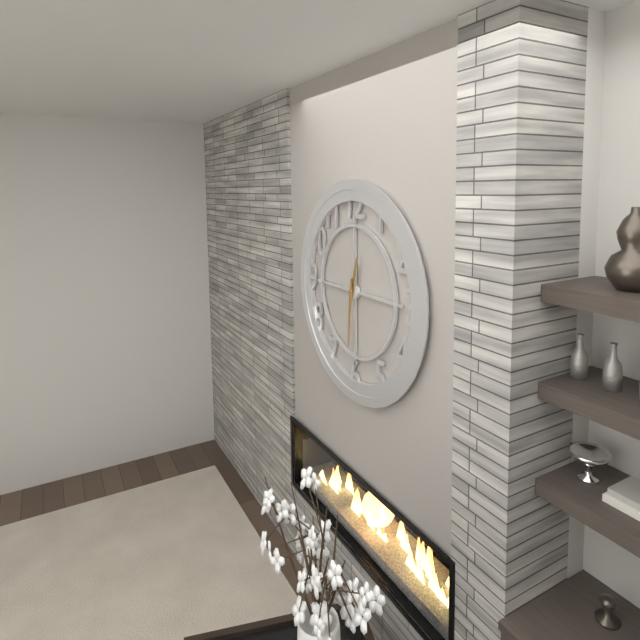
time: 12:31
